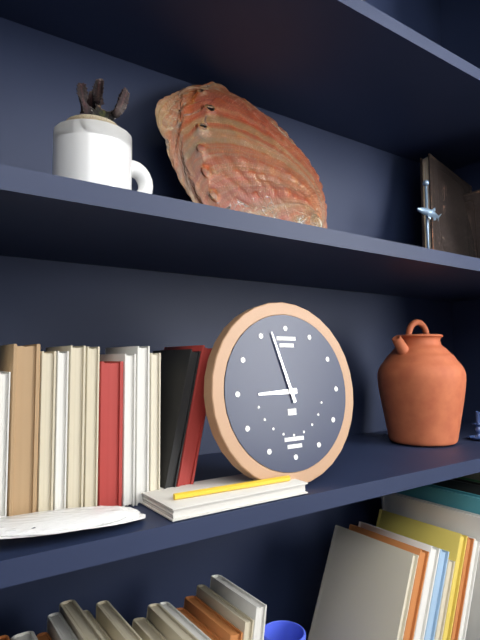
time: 8:57
